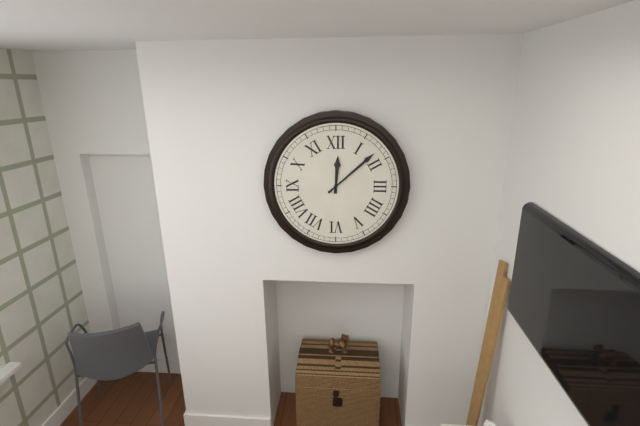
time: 12:08
